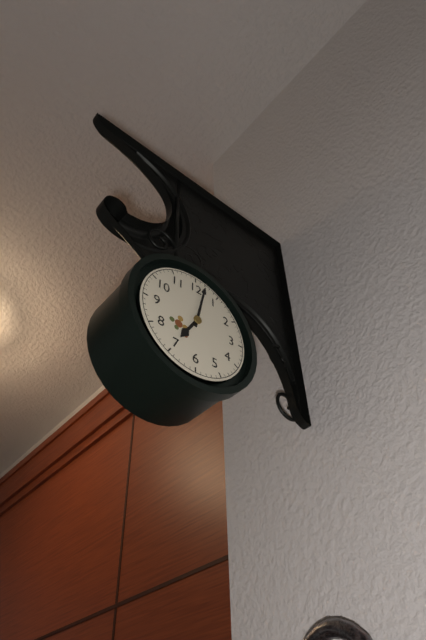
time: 7:02
